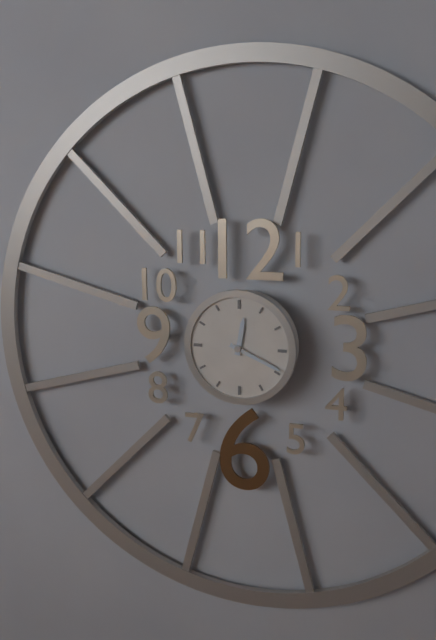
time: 12:19
